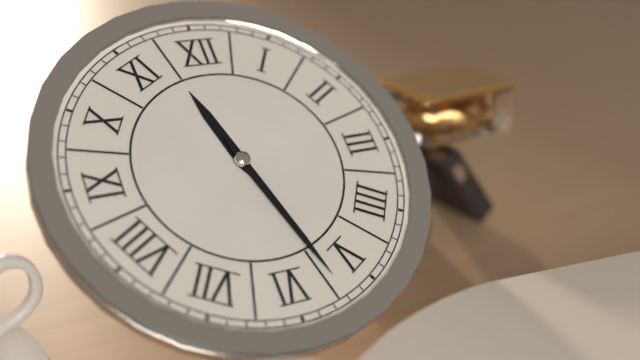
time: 11:27
